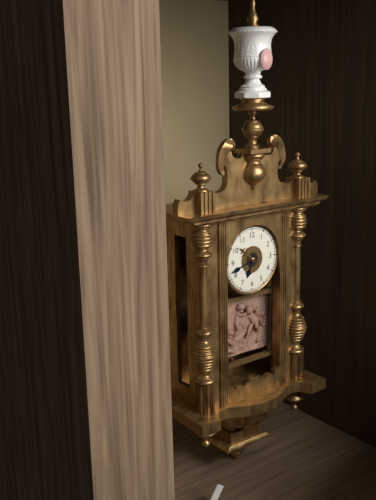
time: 6:42
